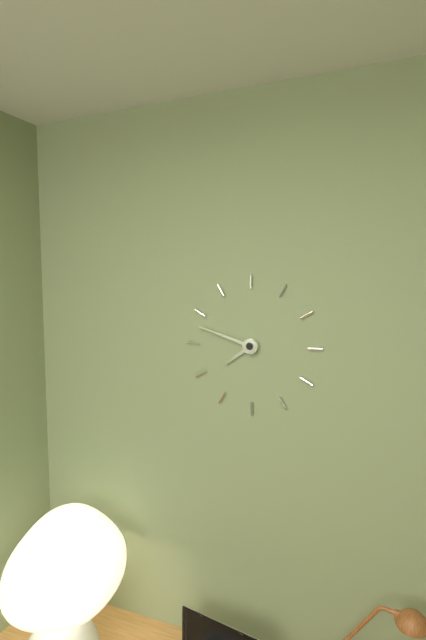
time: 7:48
